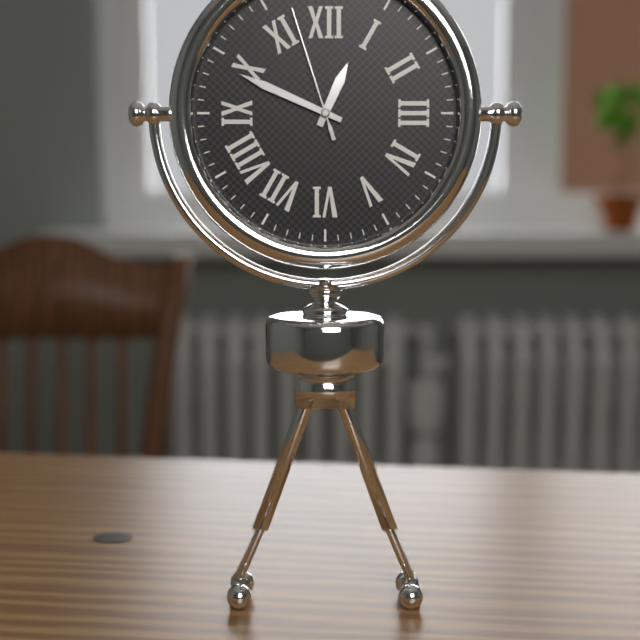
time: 12:49:57
